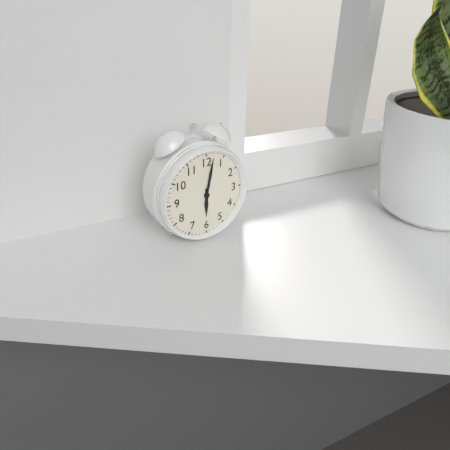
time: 6:02
